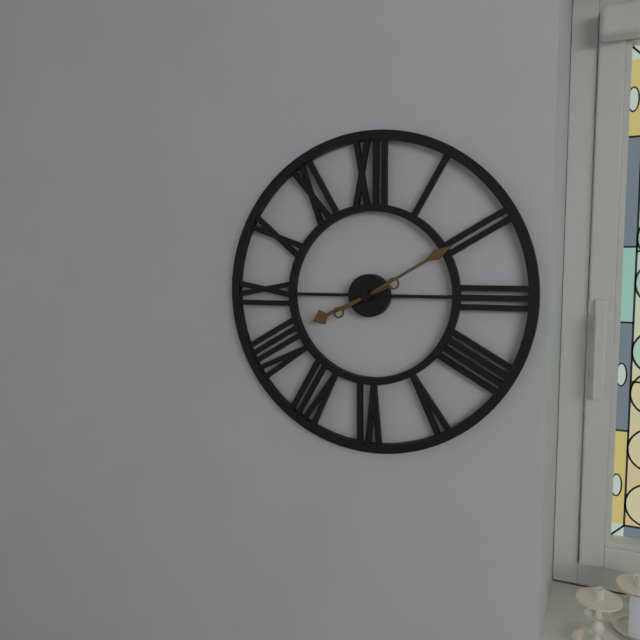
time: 8:10
